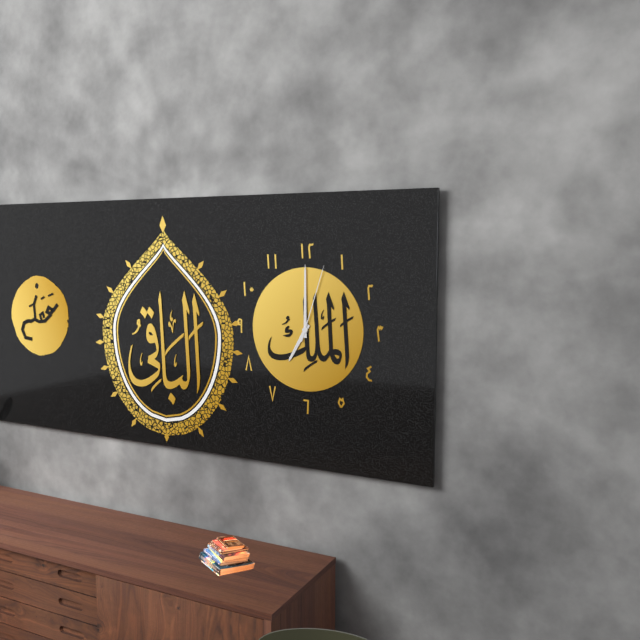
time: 7:00:03
